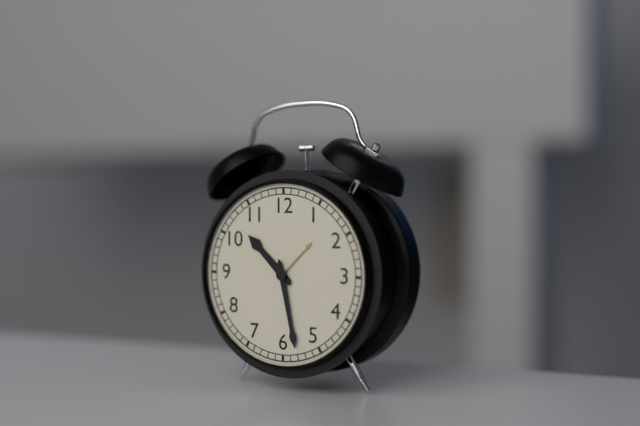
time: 10:28
